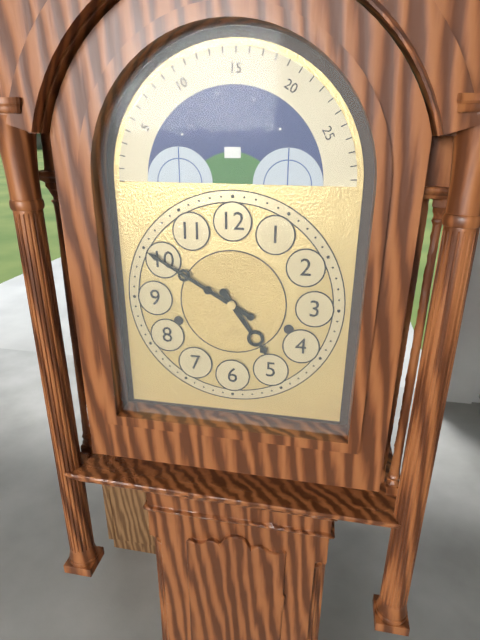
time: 4:50
